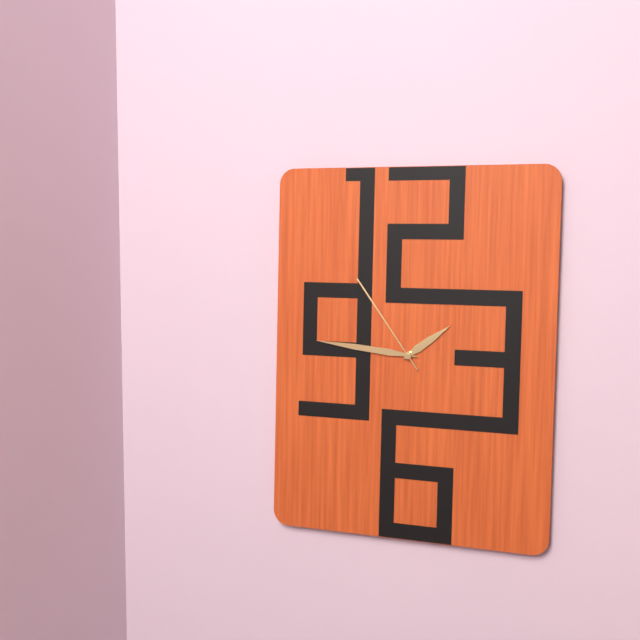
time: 1:46:54
